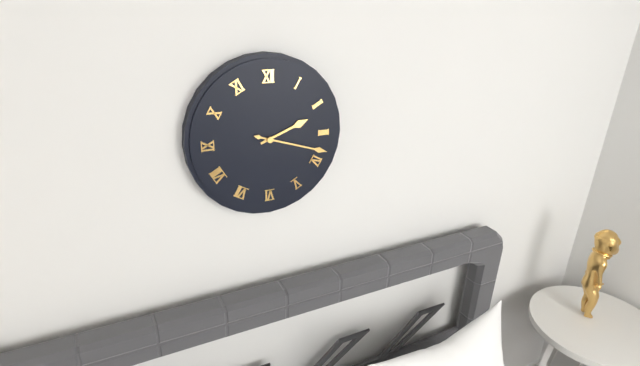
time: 2:18
